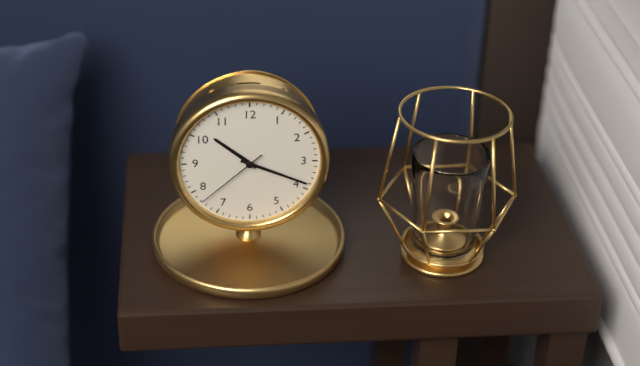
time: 10:19:38
